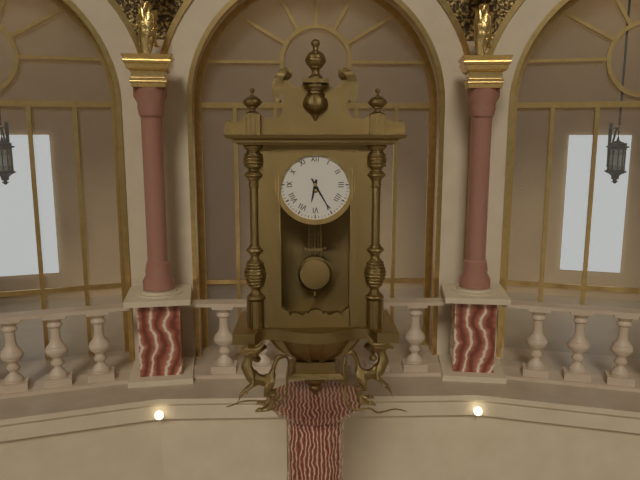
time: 6:25
